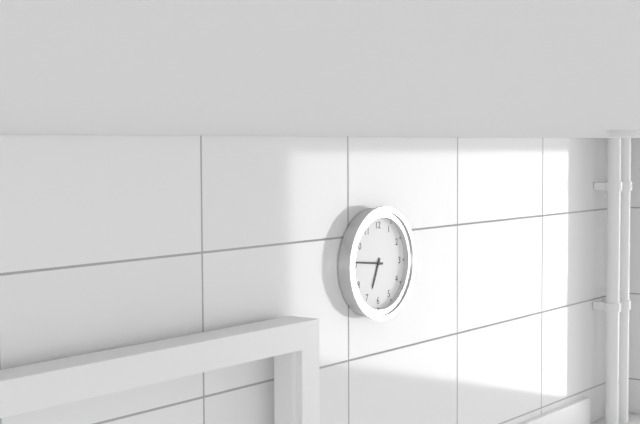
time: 6:46
